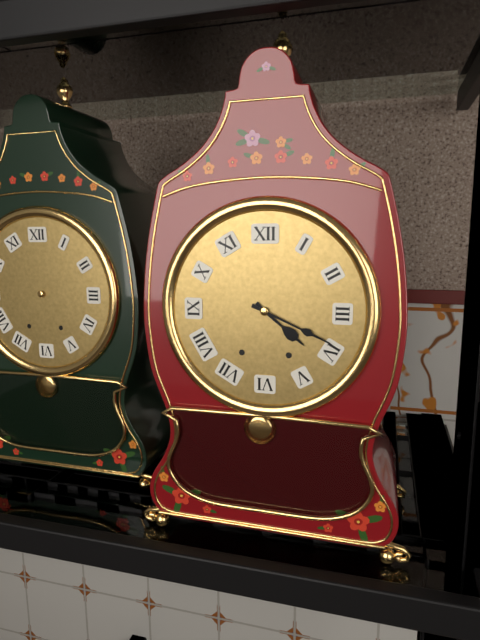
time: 4:19
